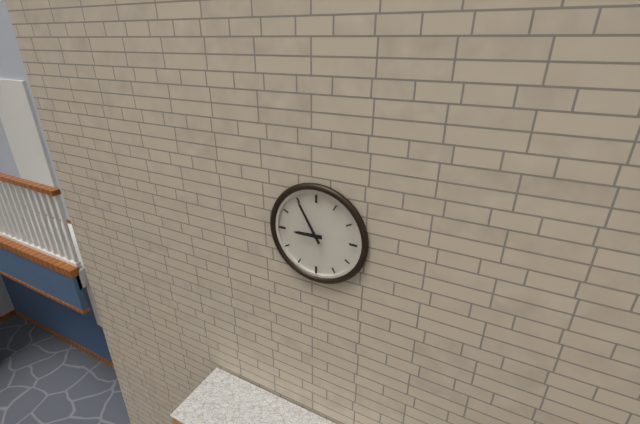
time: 8:55
